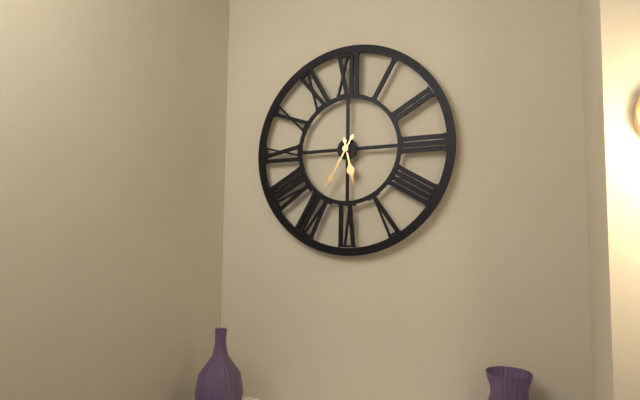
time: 5:35
